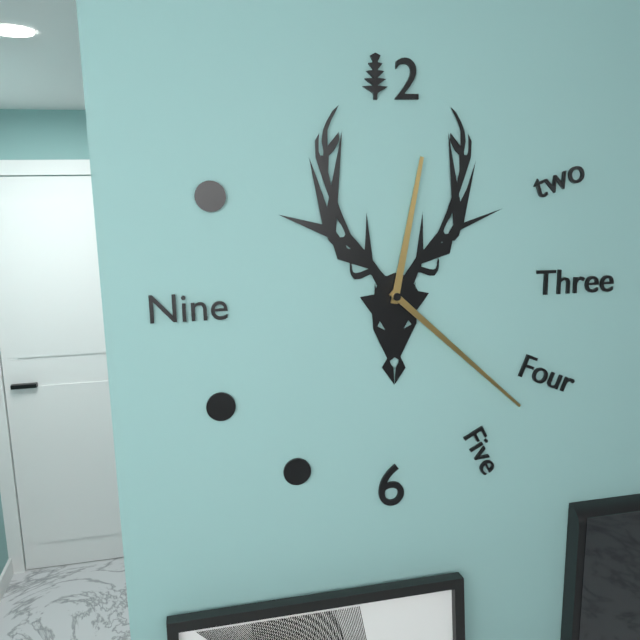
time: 12:22
